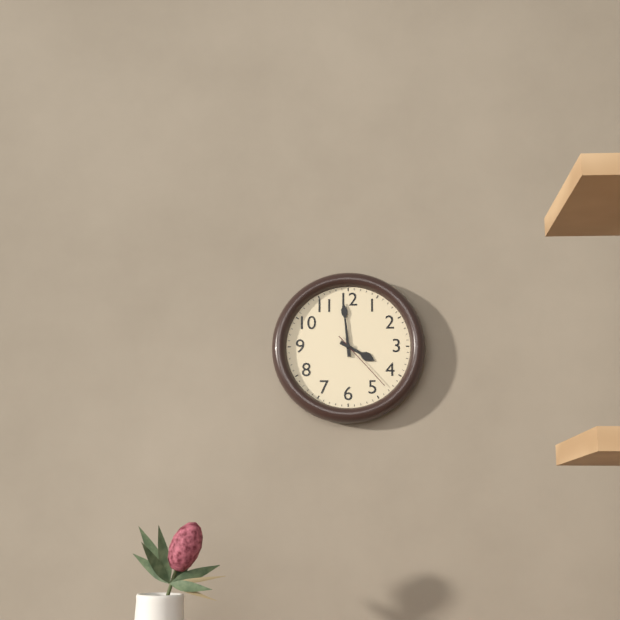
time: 3:59:23
